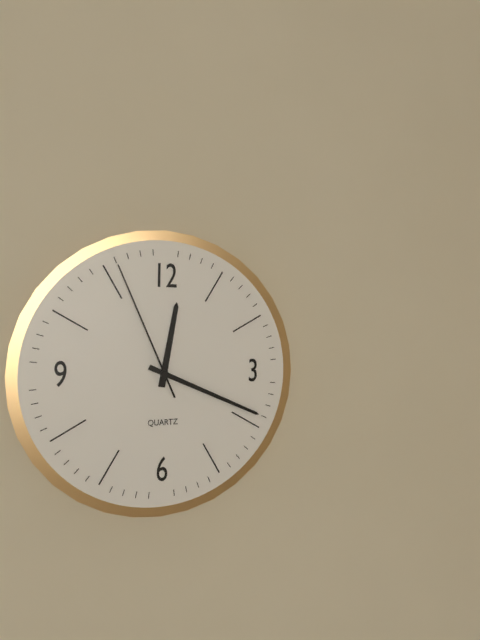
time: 12:19:56
